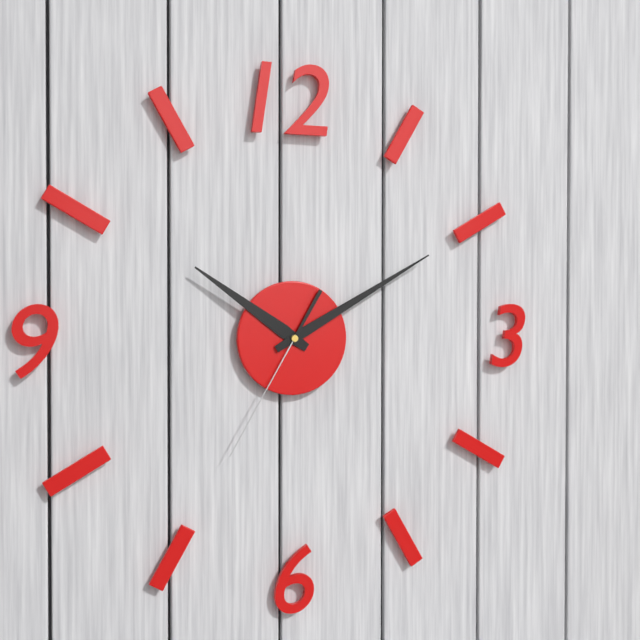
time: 10:10:35
